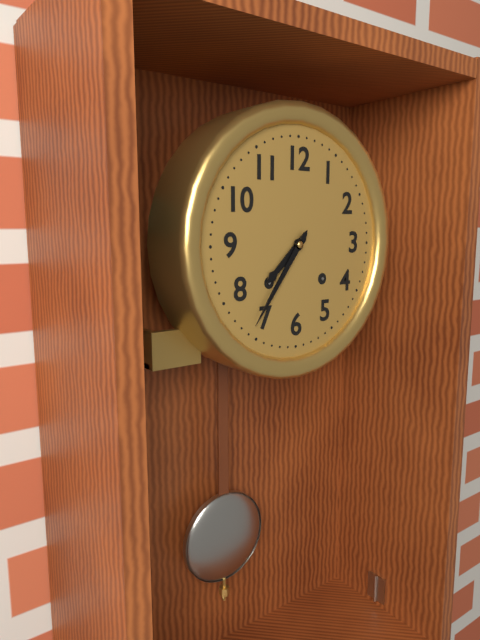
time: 7:36
